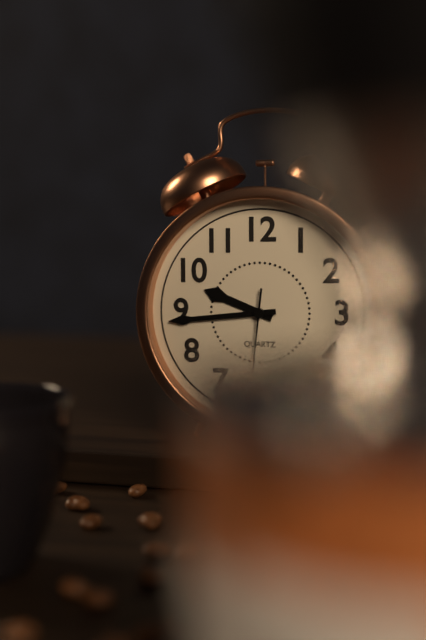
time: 9:44
